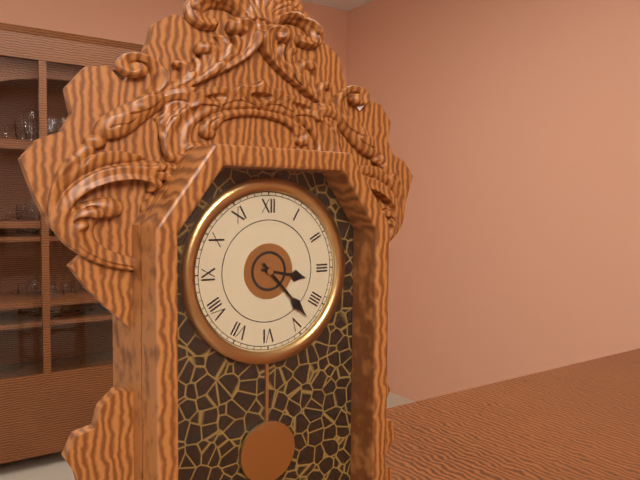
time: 3:23
